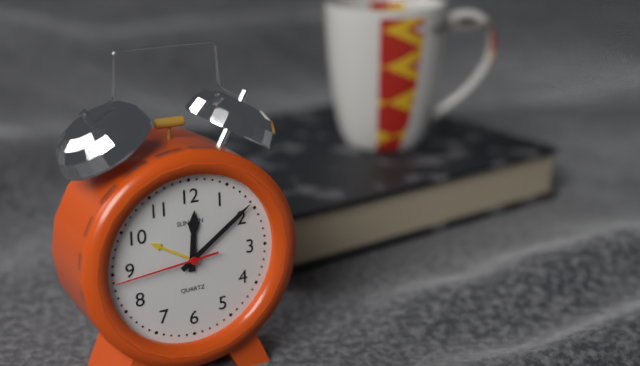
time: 12:09:44
